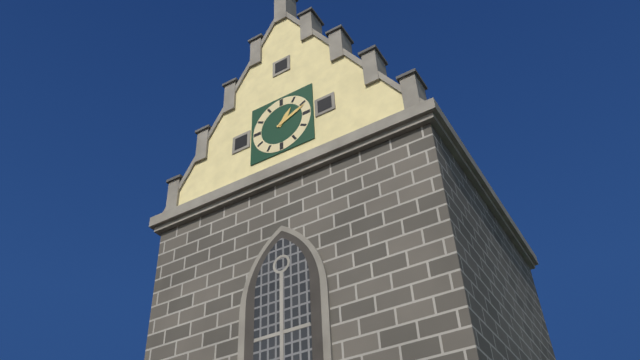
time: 1:11
